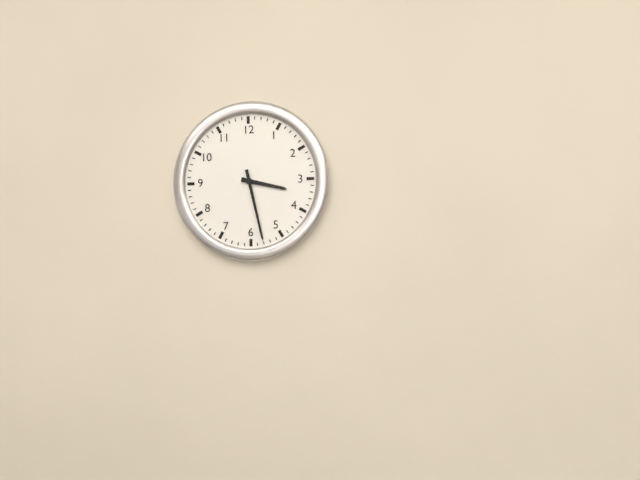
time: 3:28
